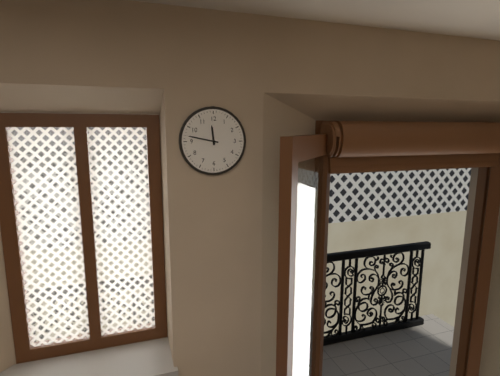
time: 11:47
